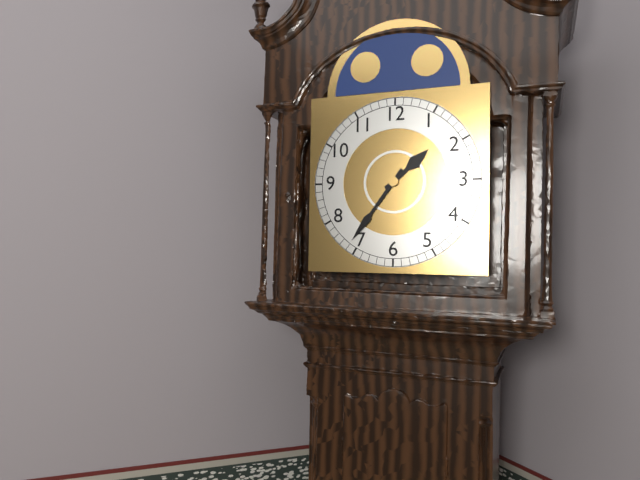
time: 1:36
